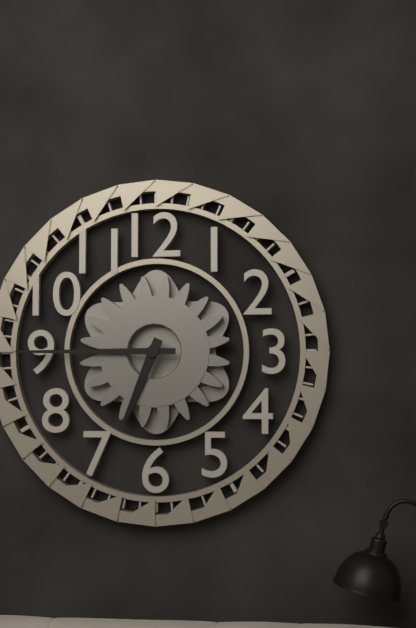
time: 6:45
